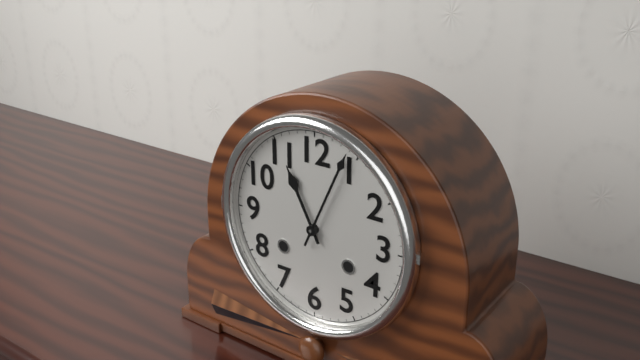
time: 11:04
